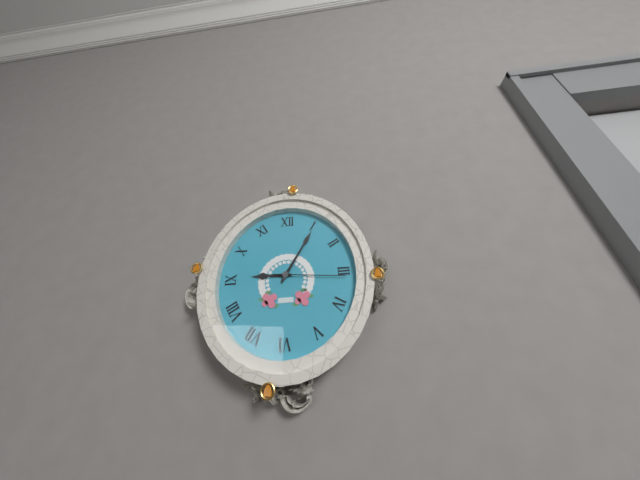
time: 9:05:16
